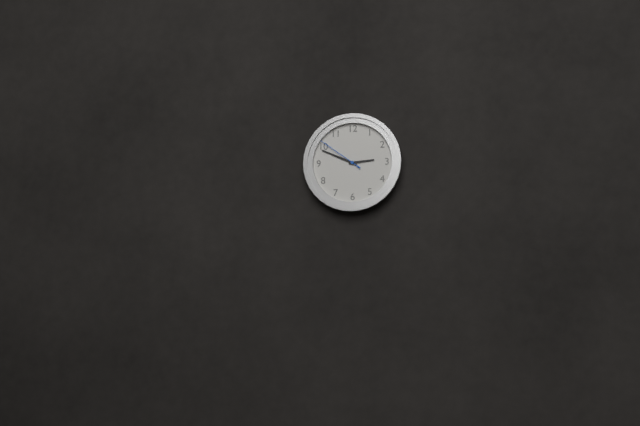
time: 2:49
